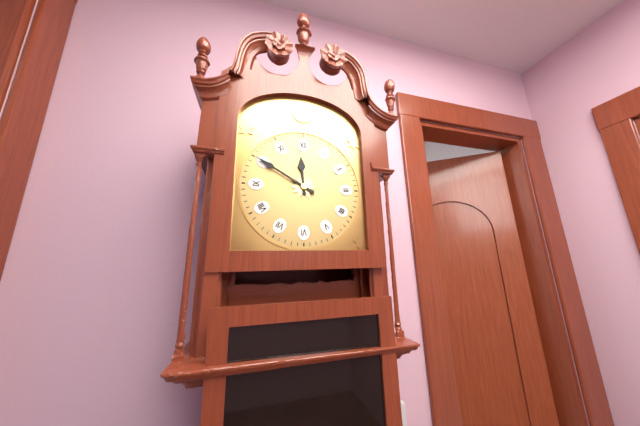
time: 11:50
